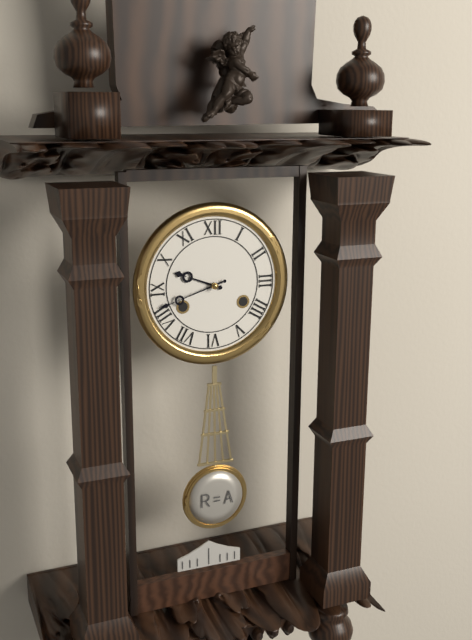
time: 9:42
